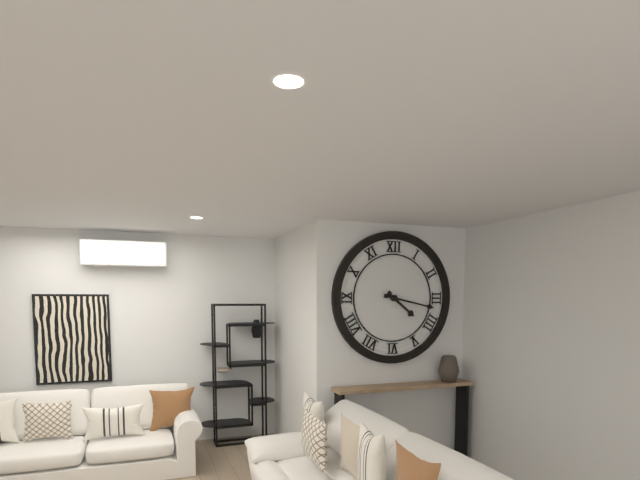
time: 4:17
